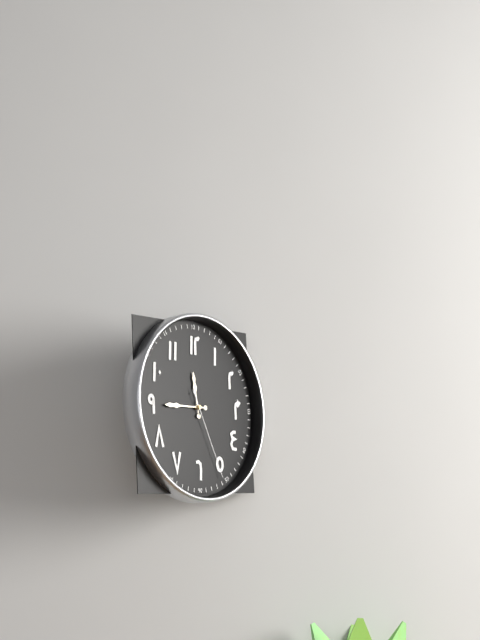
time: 11:45:26
